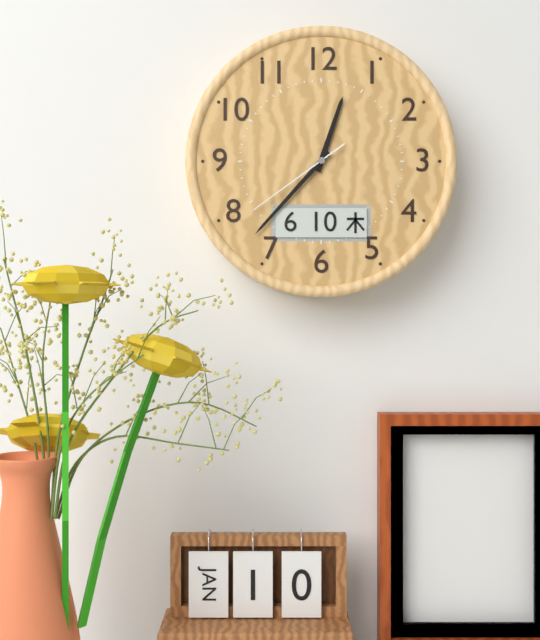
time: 12:37:39
